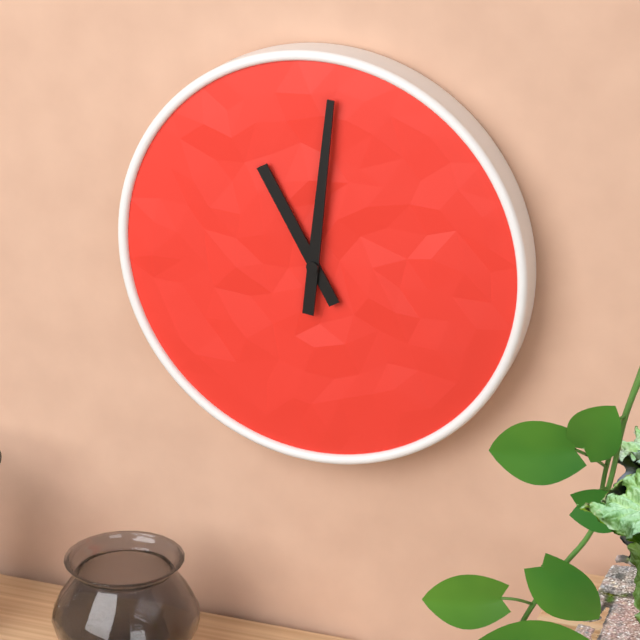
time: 11:01
